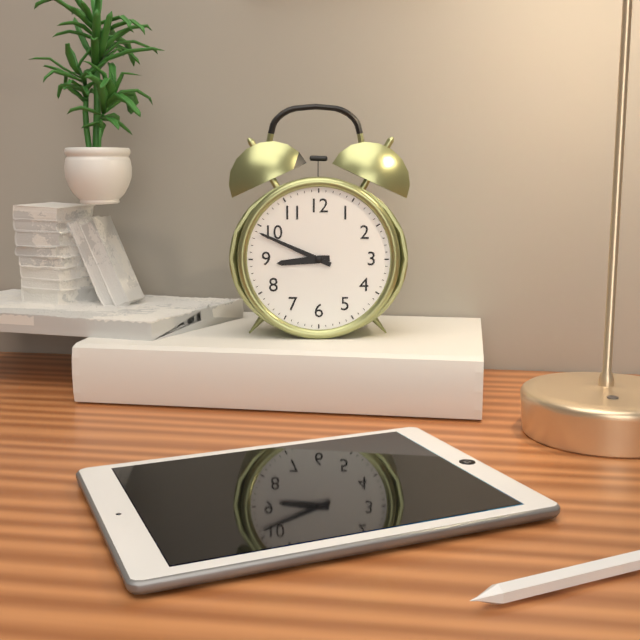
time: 8:49
